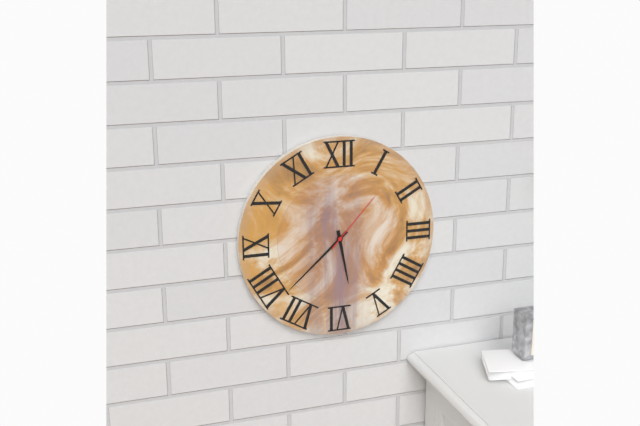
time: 5:38:07
